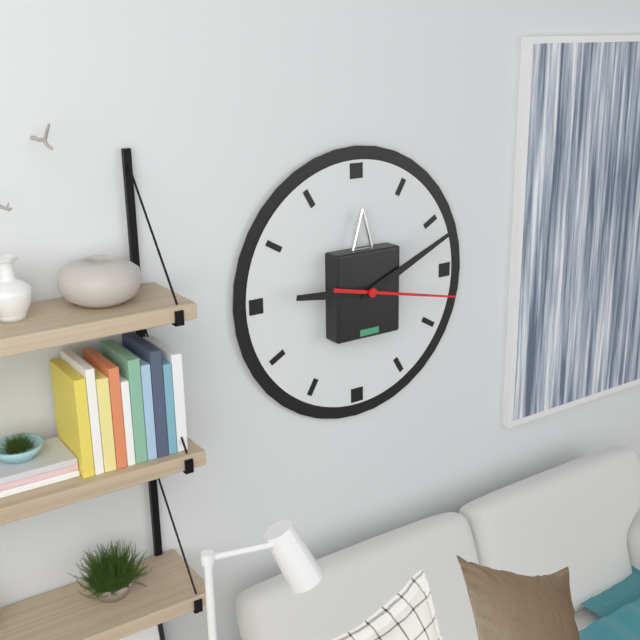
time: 9:11:17
